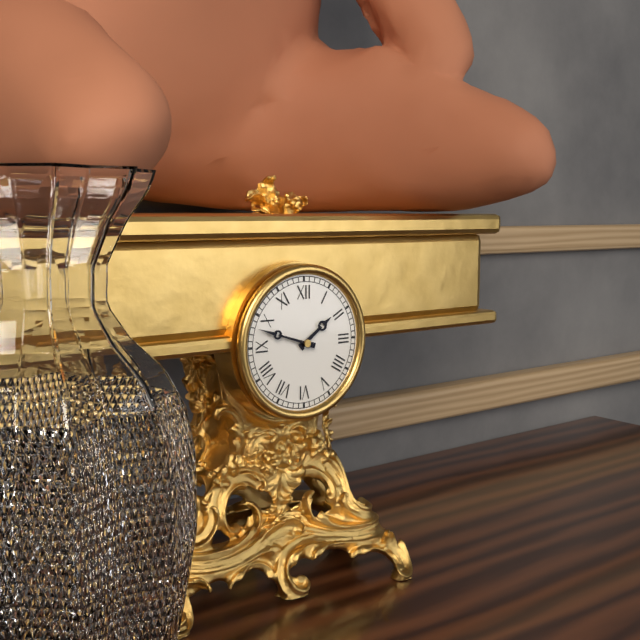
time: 1:48
